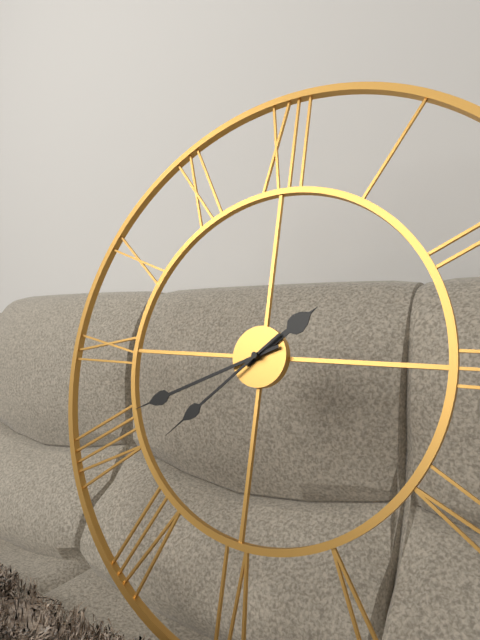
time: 1:41:38
